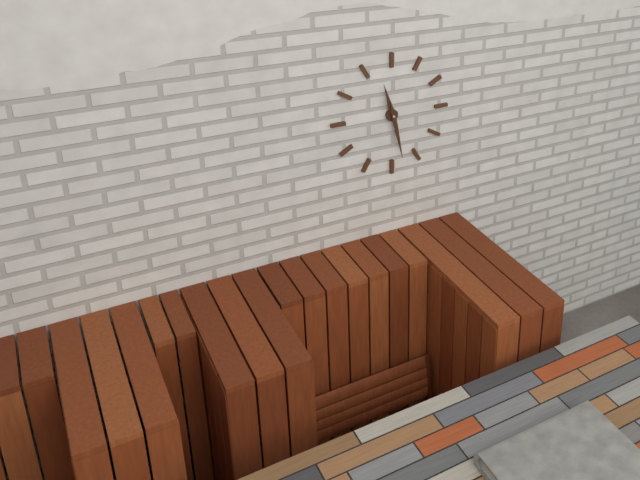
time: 11:28
